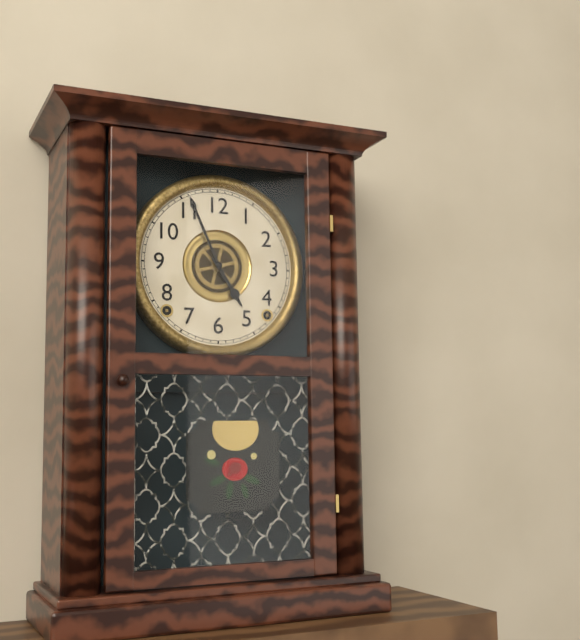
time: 4:56
